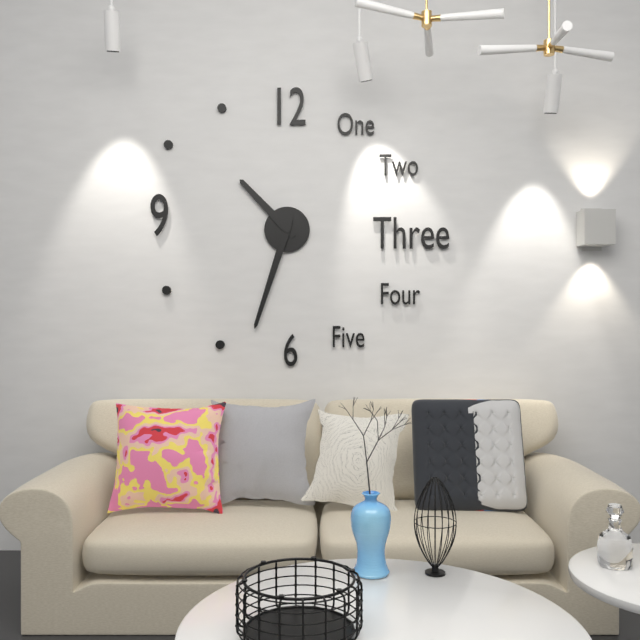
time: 10:33
